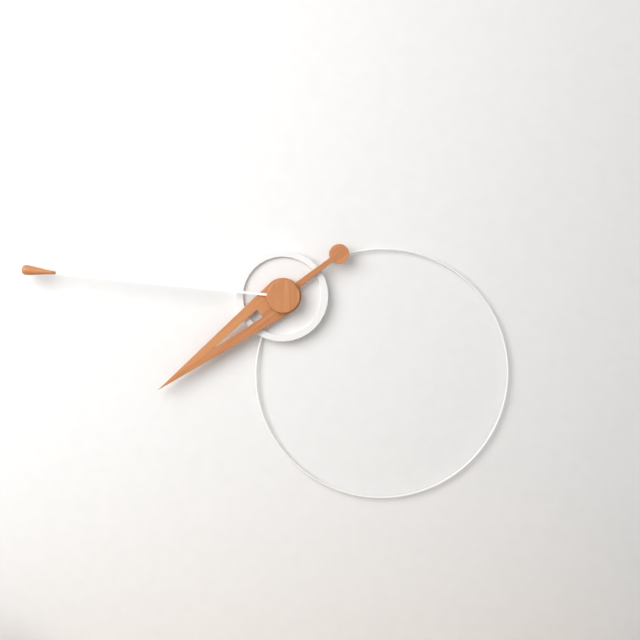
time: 7:46
